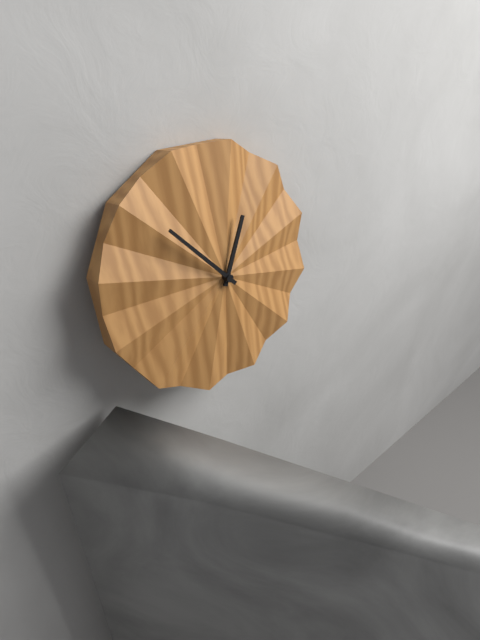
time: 12:53
